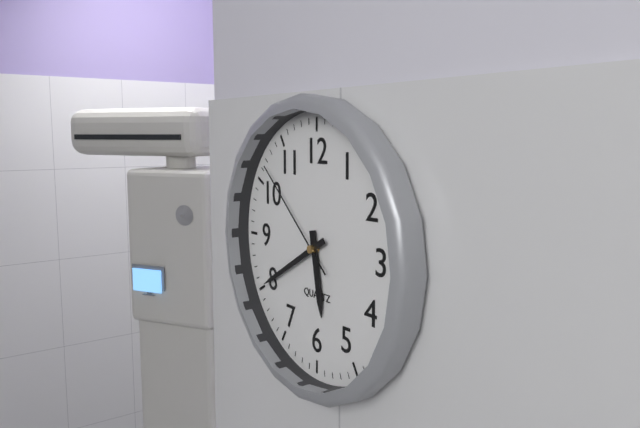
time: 5:40:52
